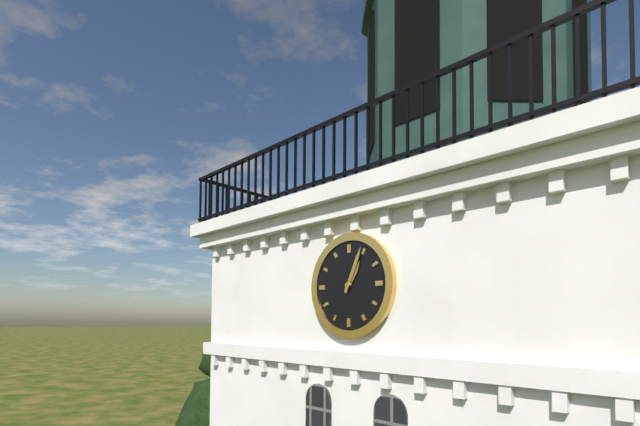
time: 1:04
